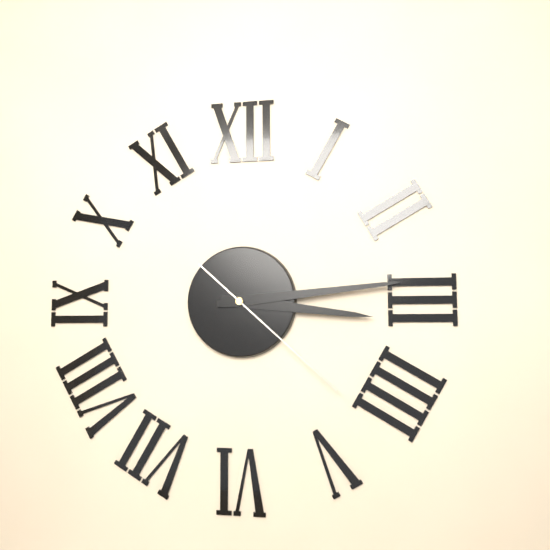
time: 3:14:22
